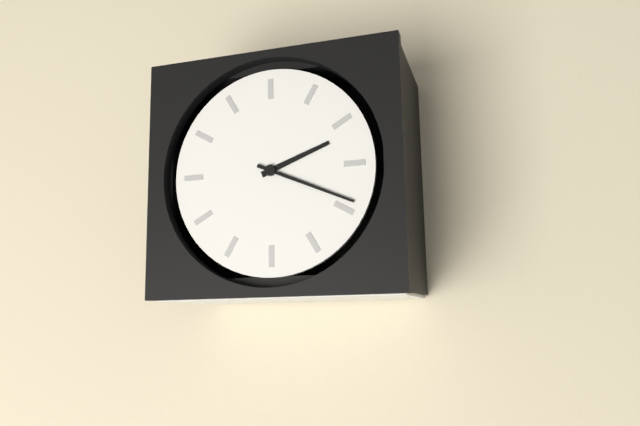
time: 2:19
